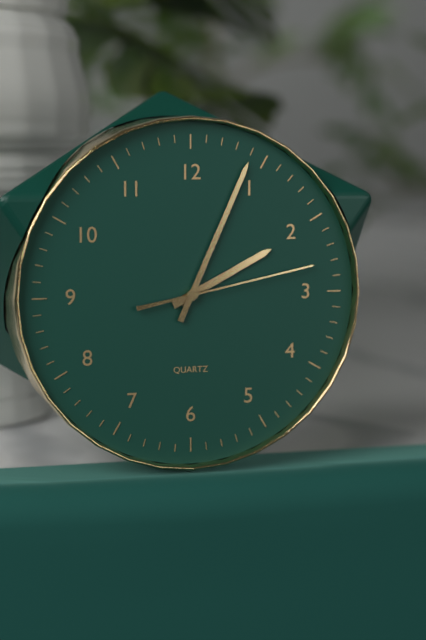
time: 2:04:13
